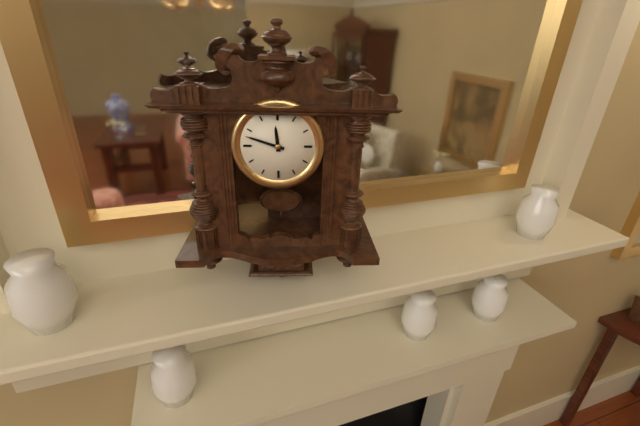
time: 11:48
